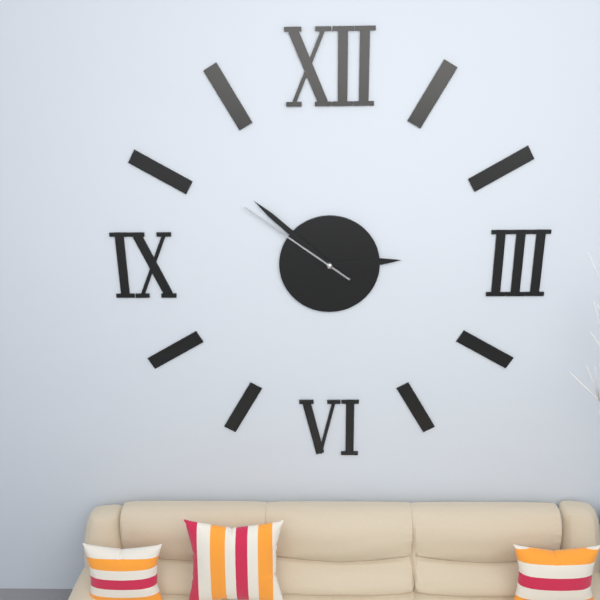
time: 2:52:51
